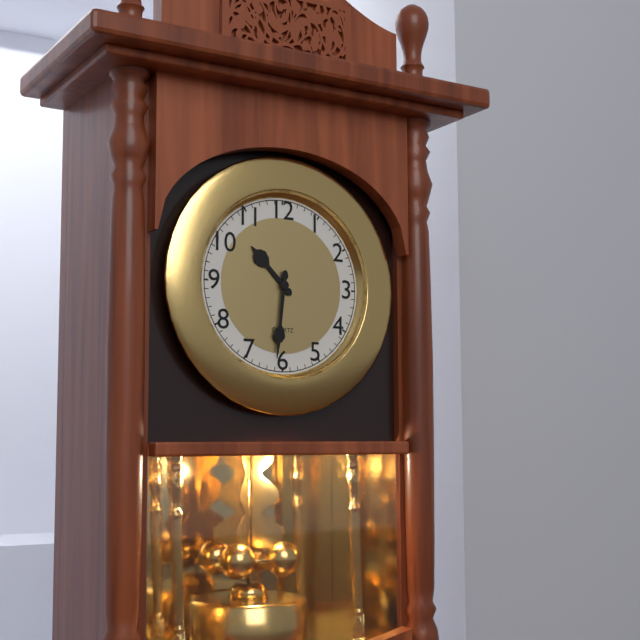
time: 10:31
